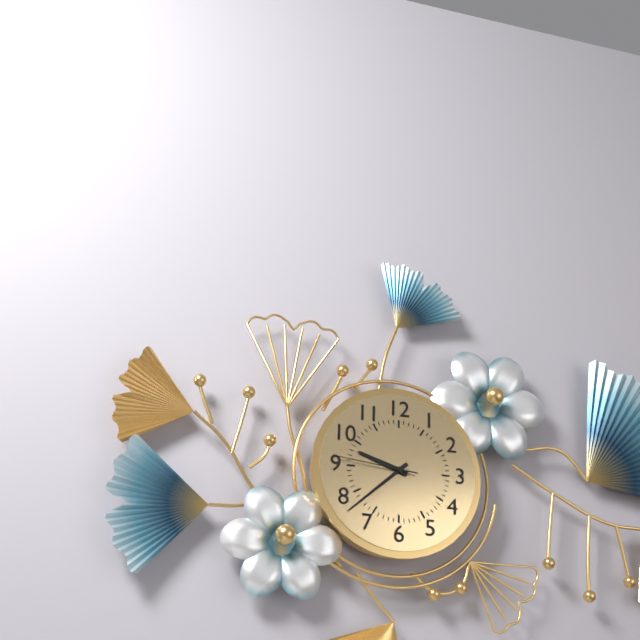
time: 9:38:46
